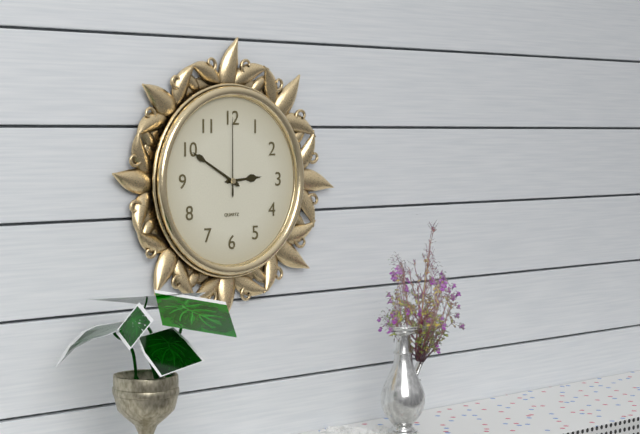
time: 2:50:00
